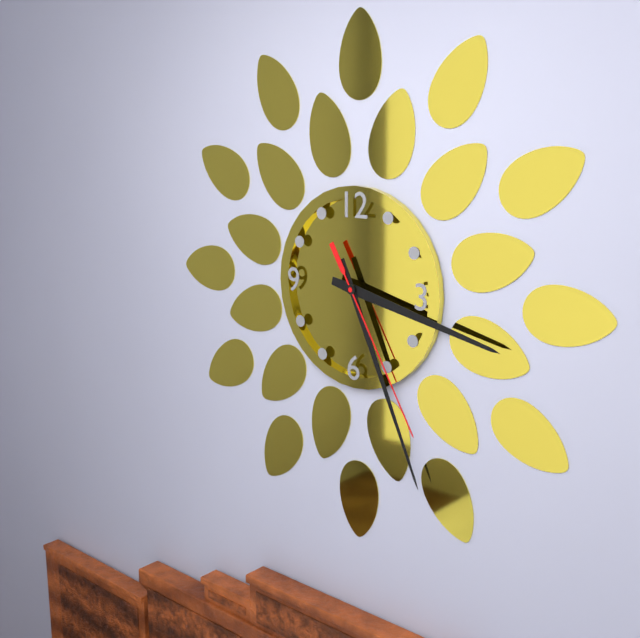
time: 3:26:25
